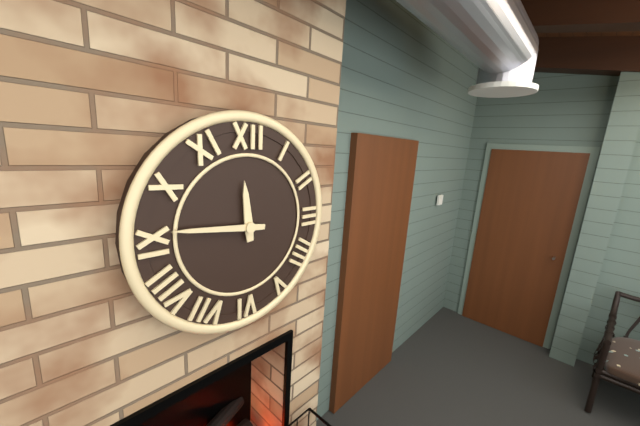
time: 11:46
